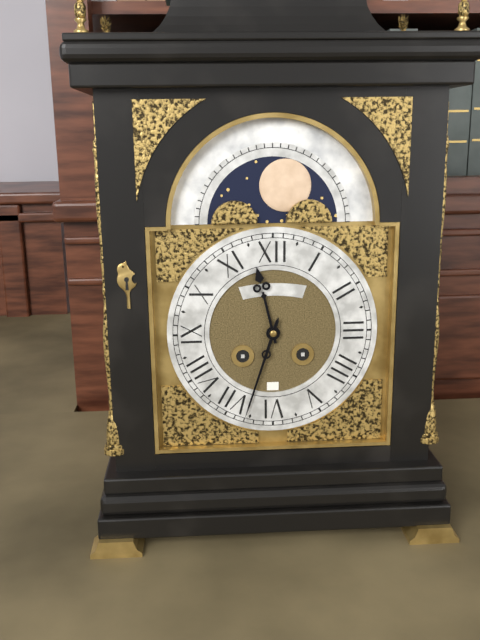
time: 11:33
